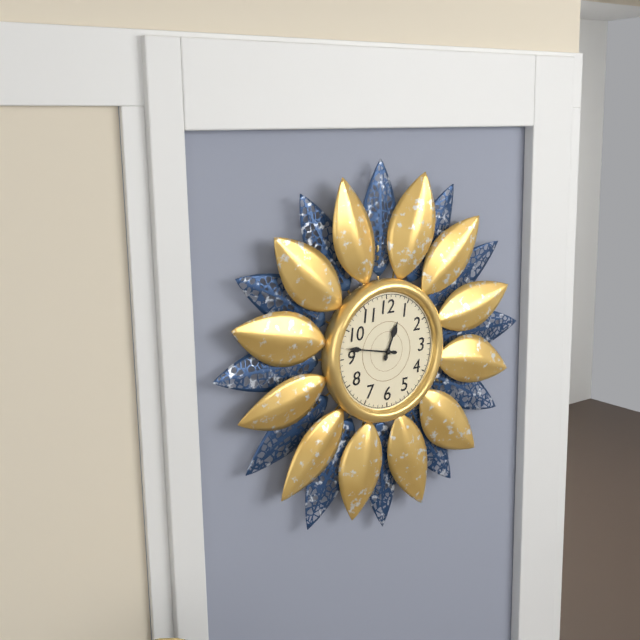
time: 12:47
